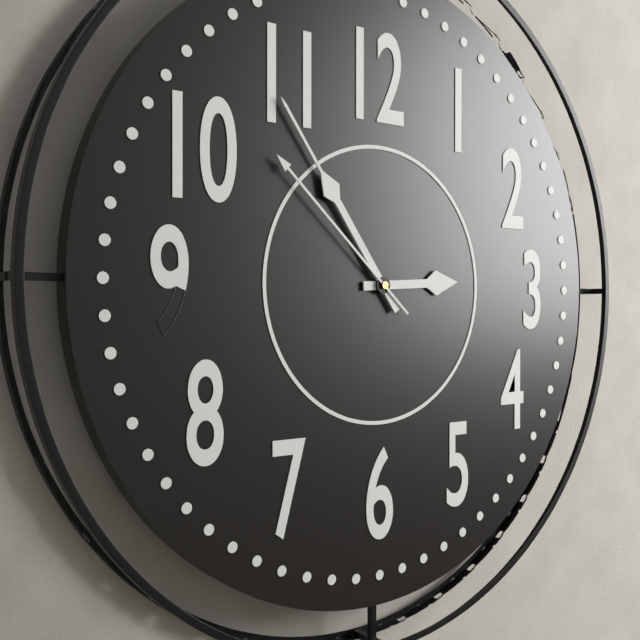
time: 2:54:52
